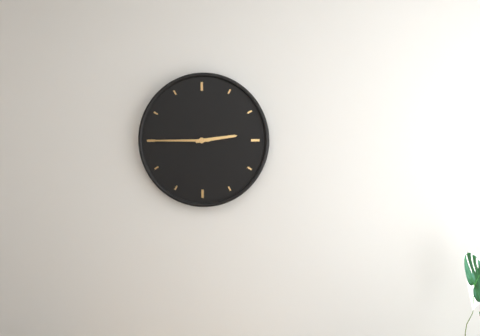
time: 2:45
